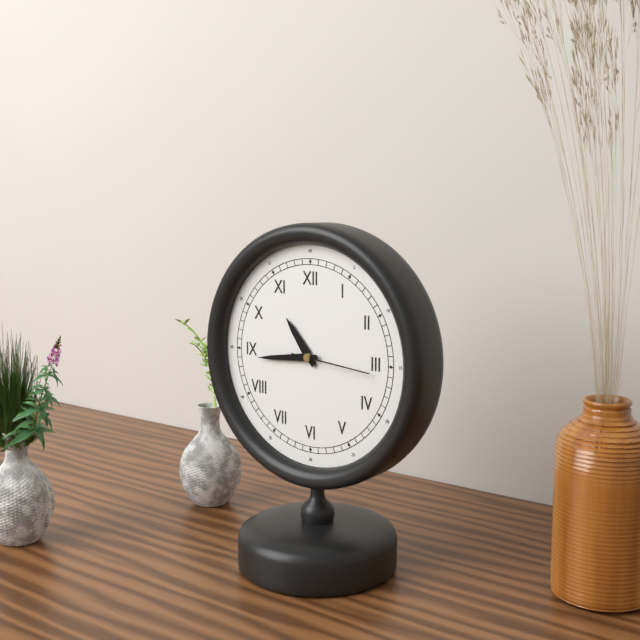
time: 10:44:16
